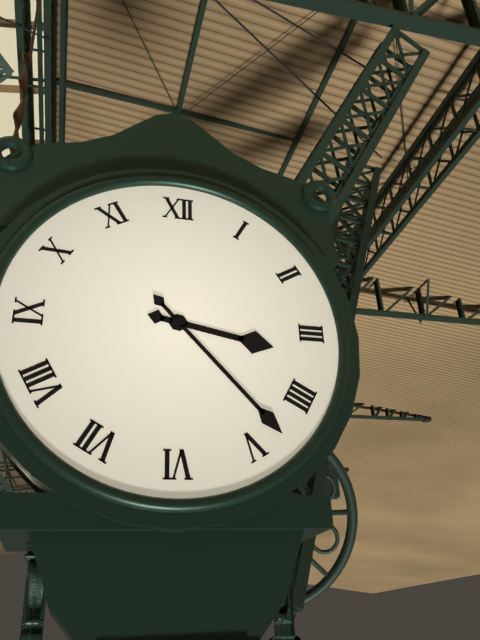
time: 3:23
